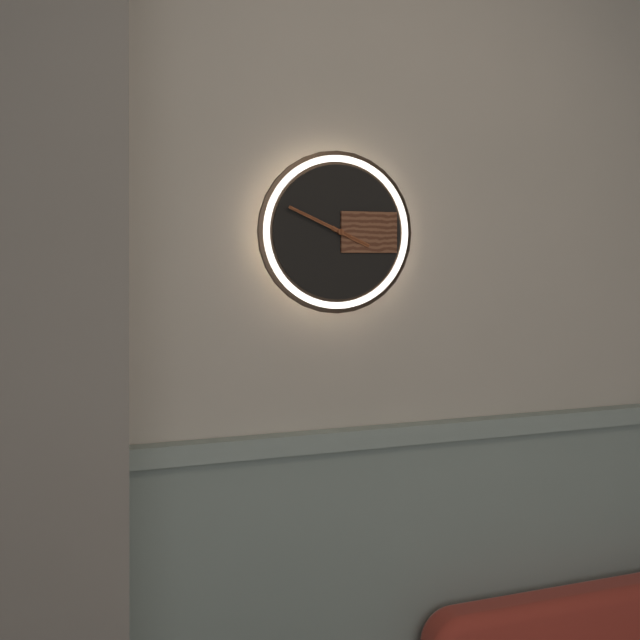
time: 3:49
